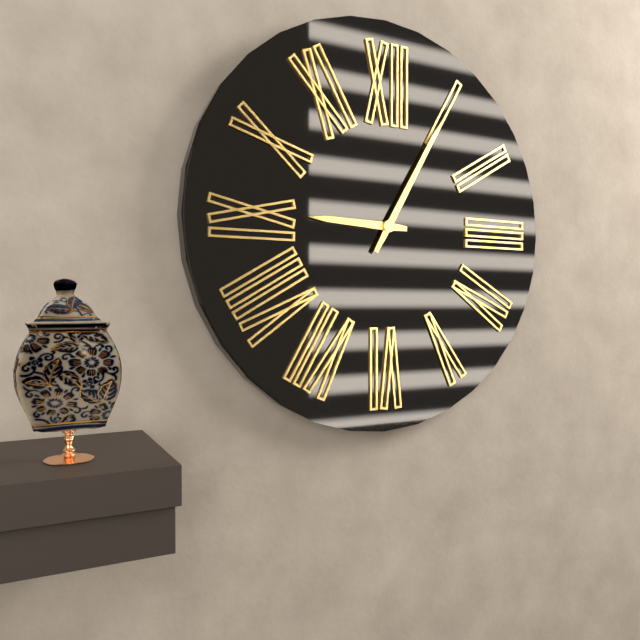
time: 9:05
